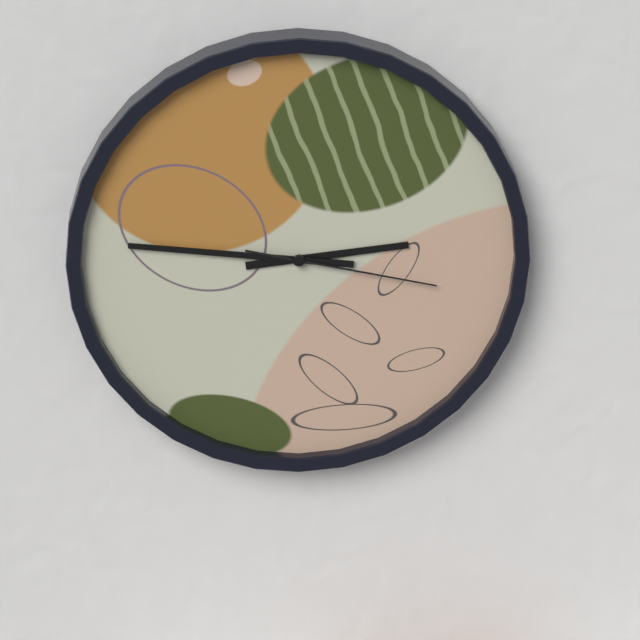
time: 2:46:17
